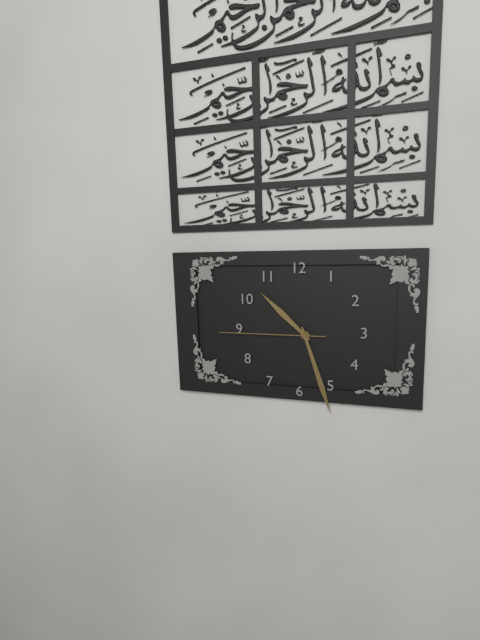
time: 10:27:45
